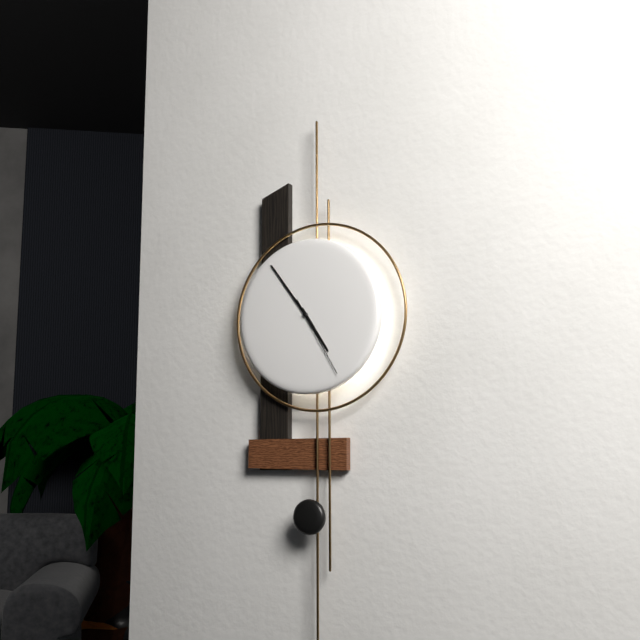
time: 4:54:25
